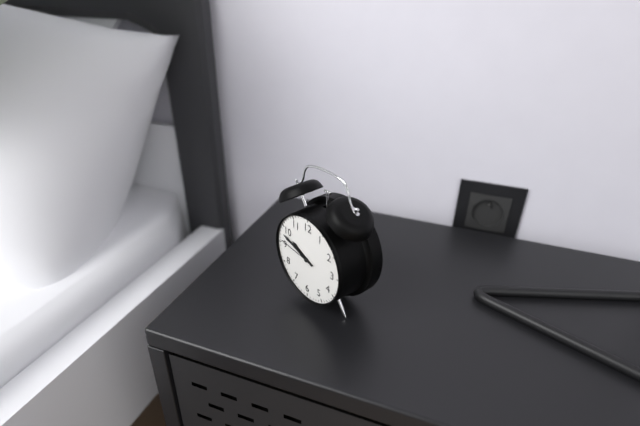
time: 9:48
